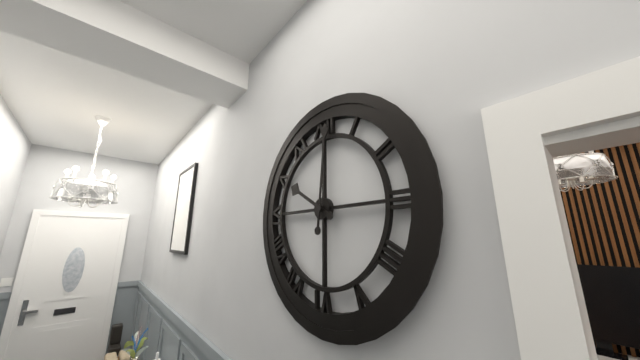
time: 10:01
